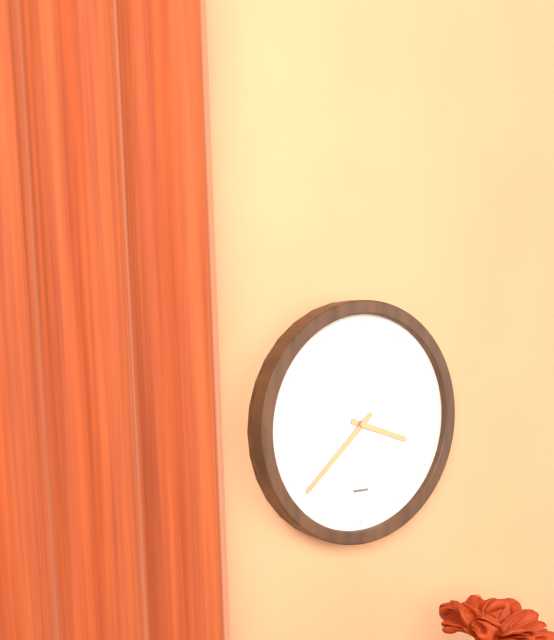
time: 3:38
